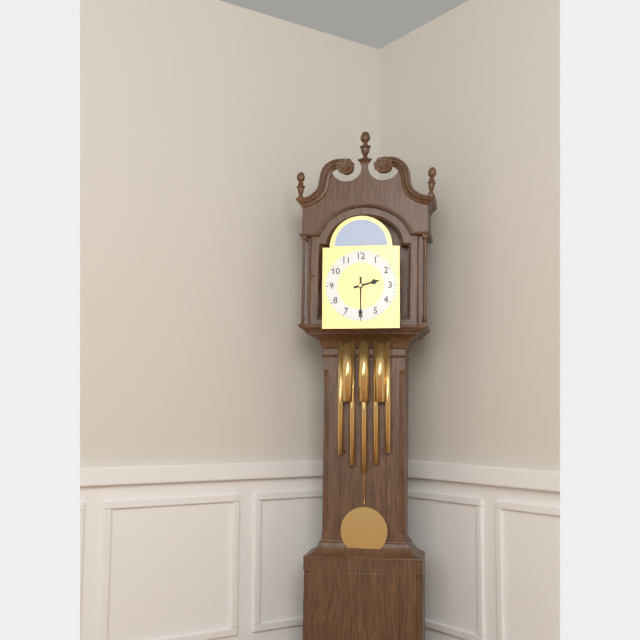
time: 2:30
